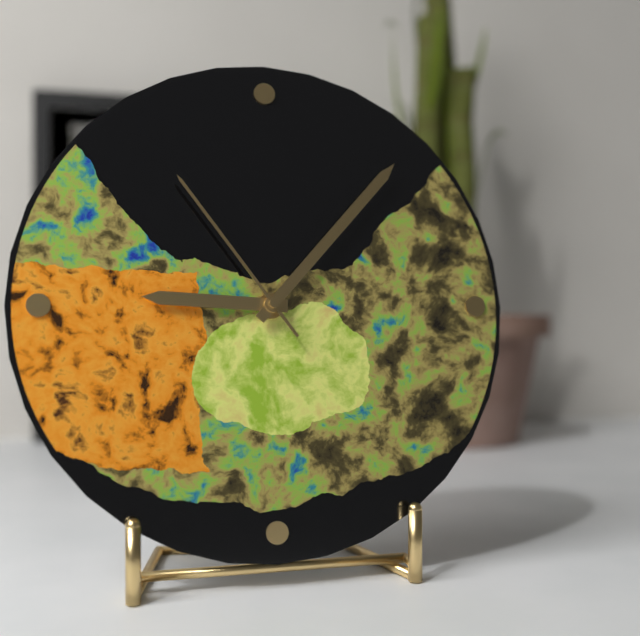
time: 9:07:54
